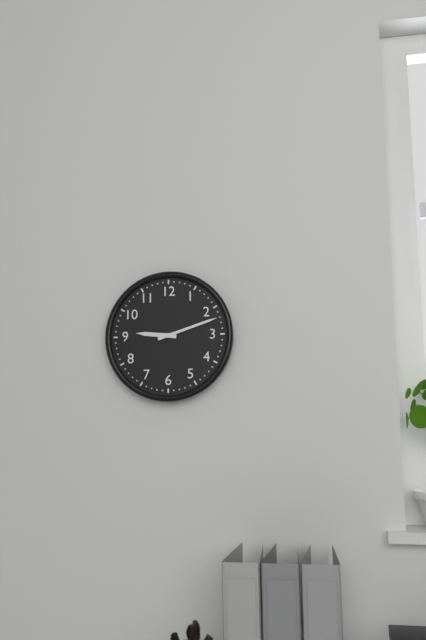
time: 9:12
